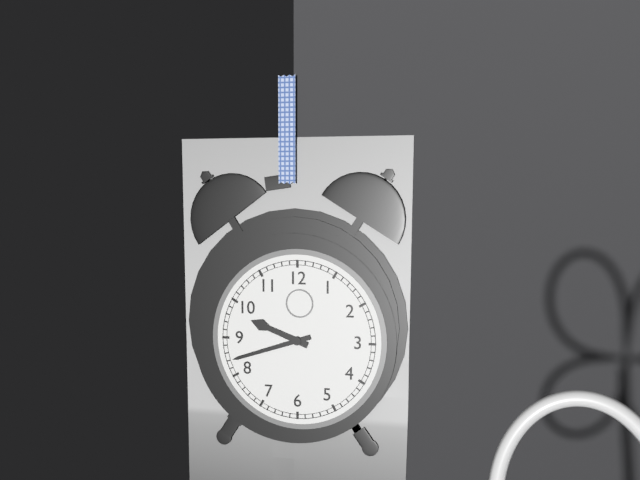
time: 9:42
